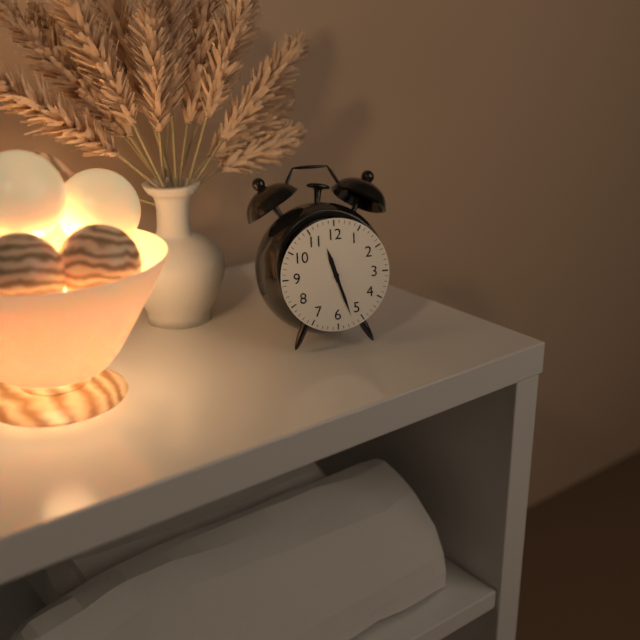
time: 11:27
